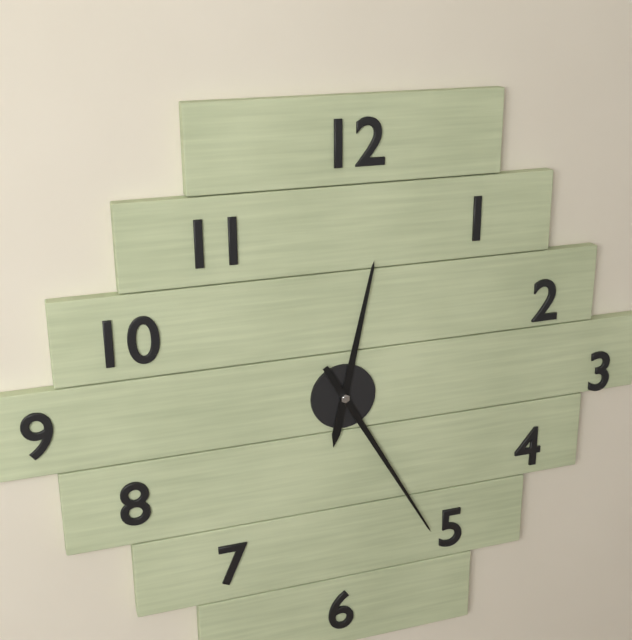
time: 12:25
